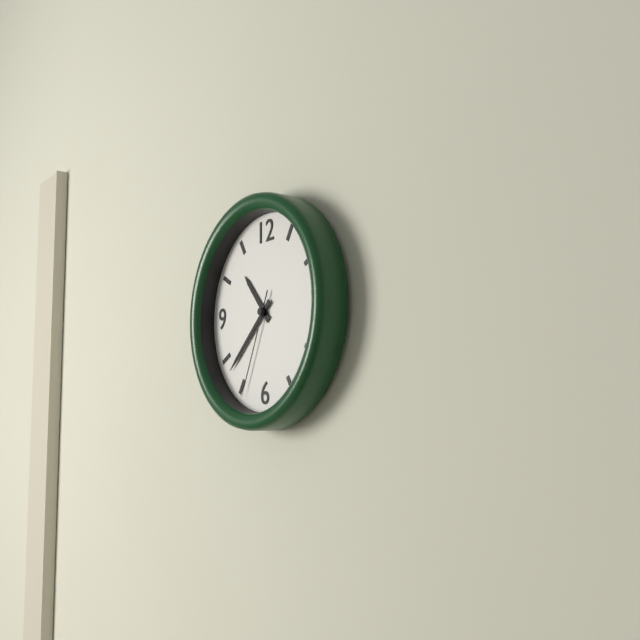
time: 10:38:34
